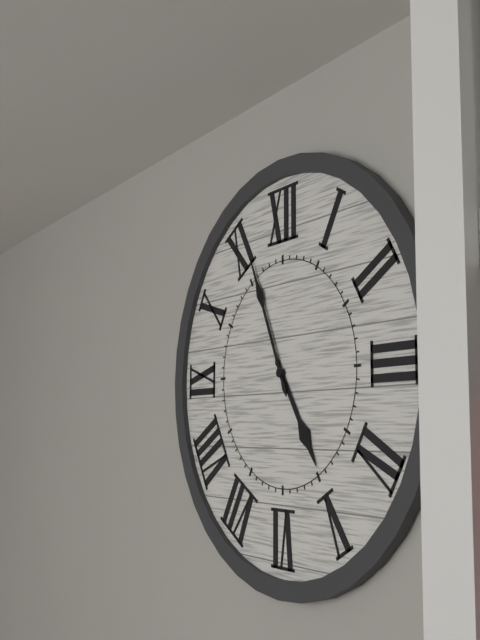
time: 4:56
